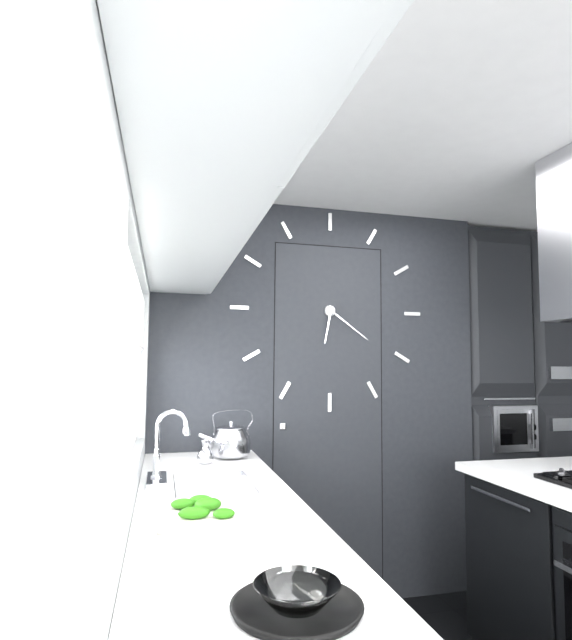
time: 6:21
